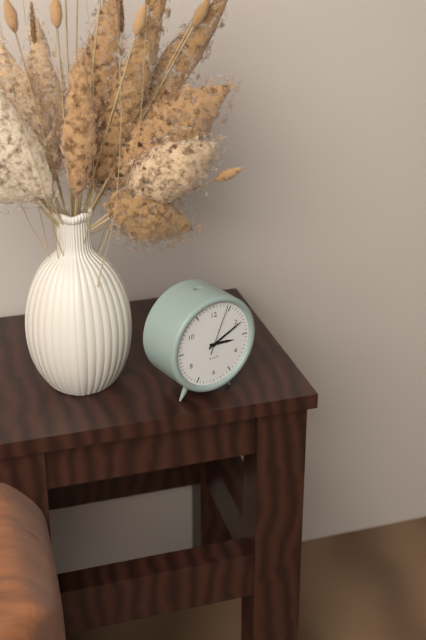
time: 3:11:04
